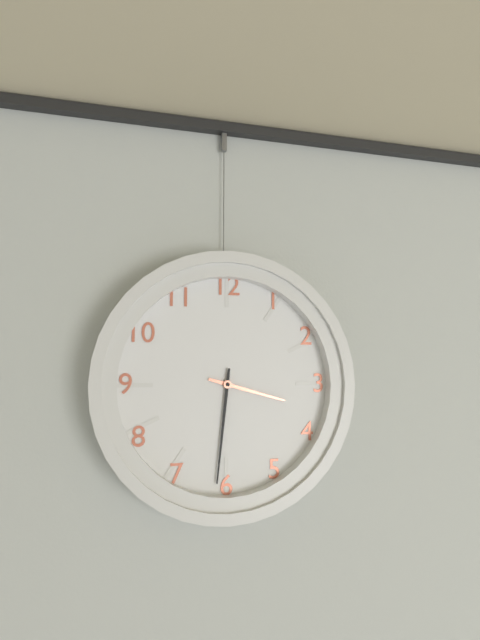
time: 3:31
